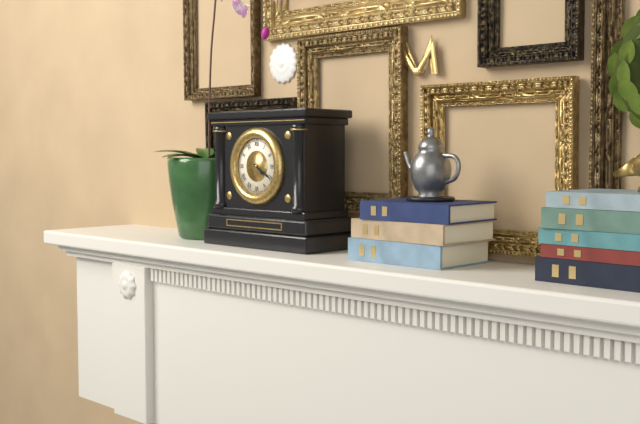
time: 4:20
